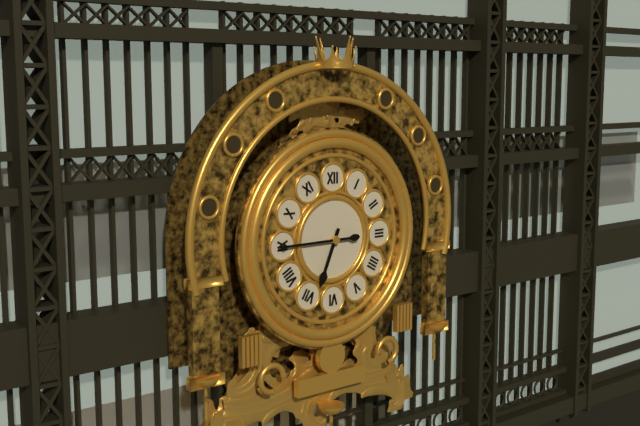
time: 6:45
